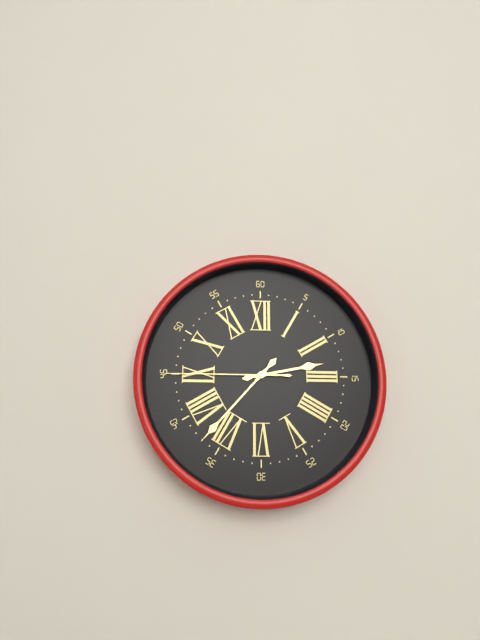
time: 2:37:45
